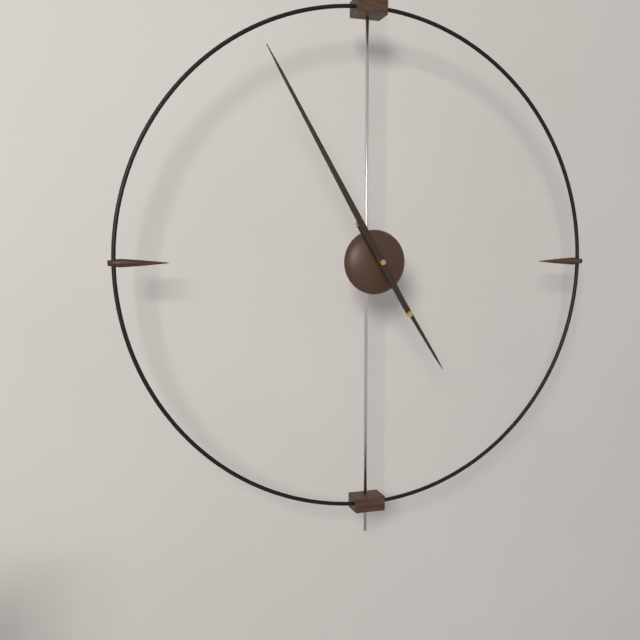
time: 4:55
